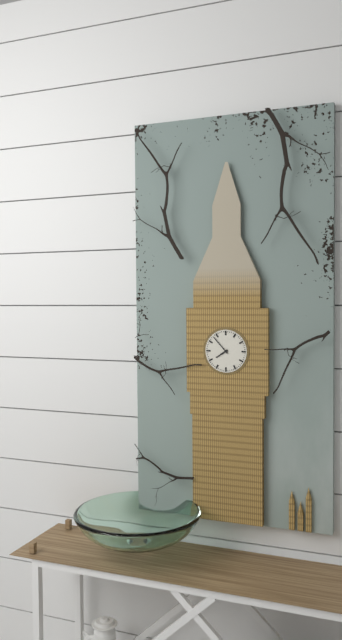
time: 7:53
